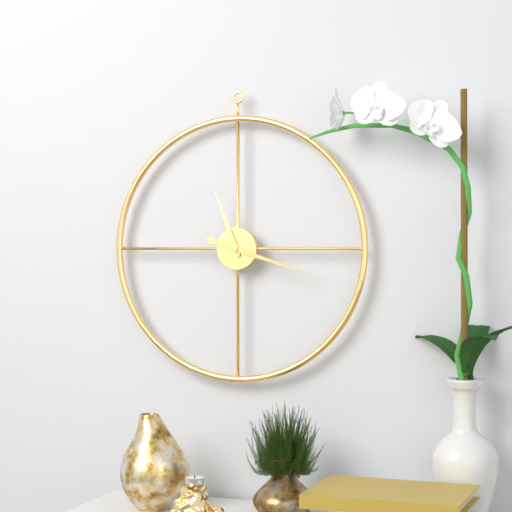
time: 11:18
